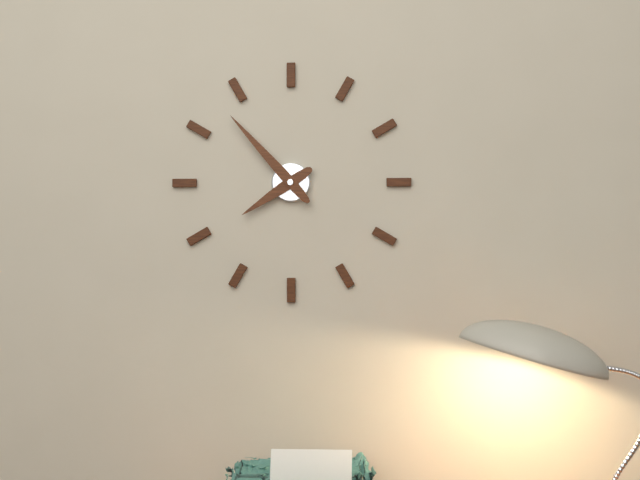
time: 7:53
